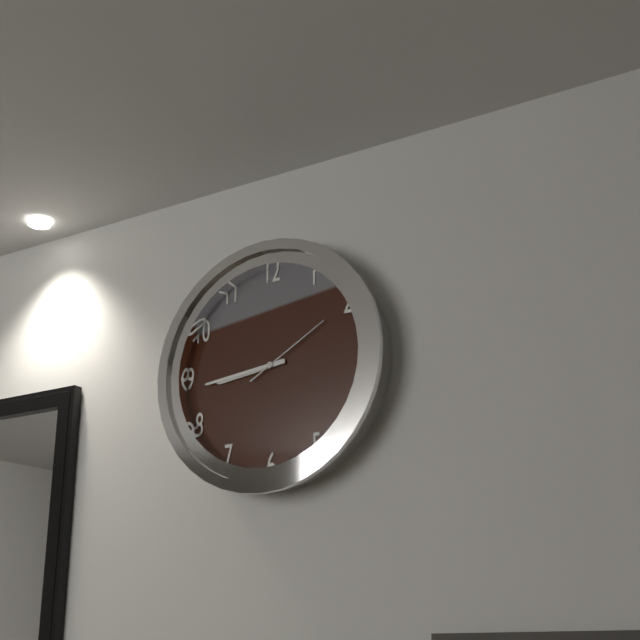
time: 8:44:10
